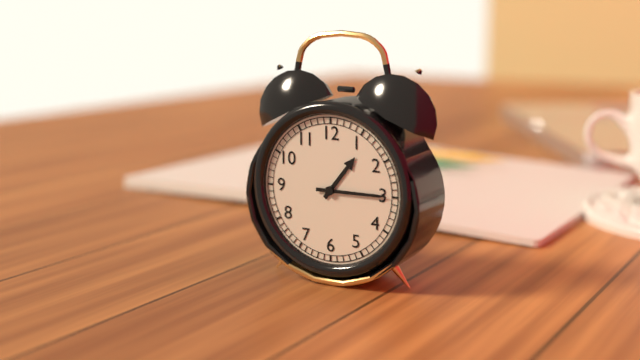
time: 1:15
